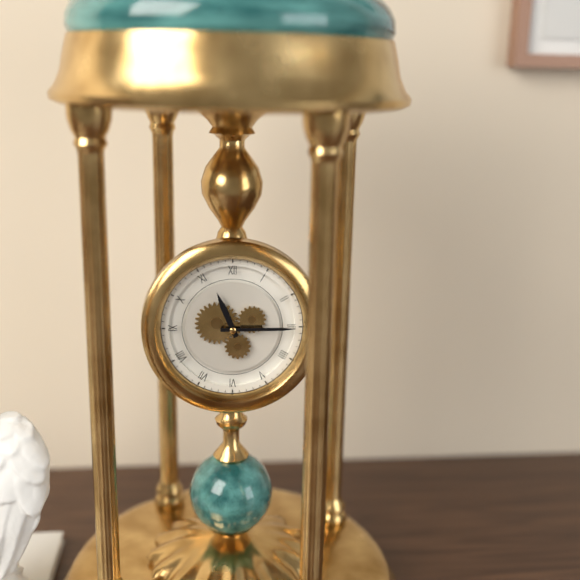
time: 11:15
